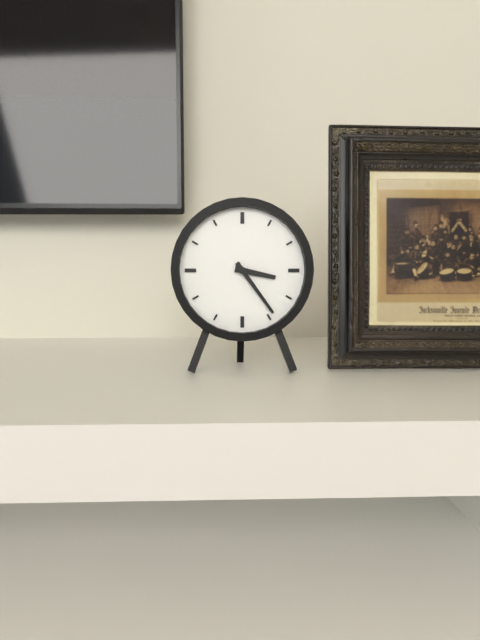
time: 3:24
